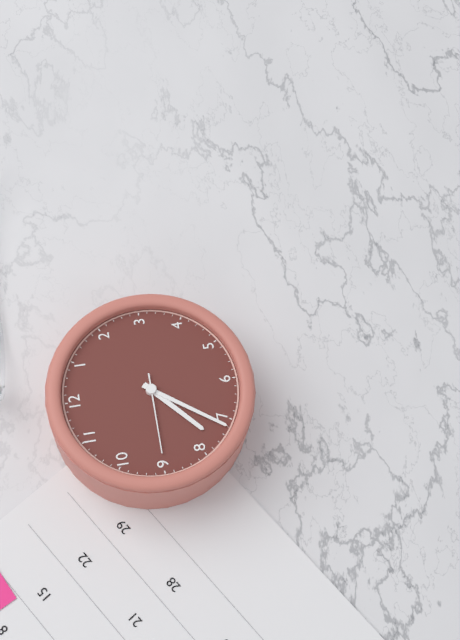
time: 7:36:45
